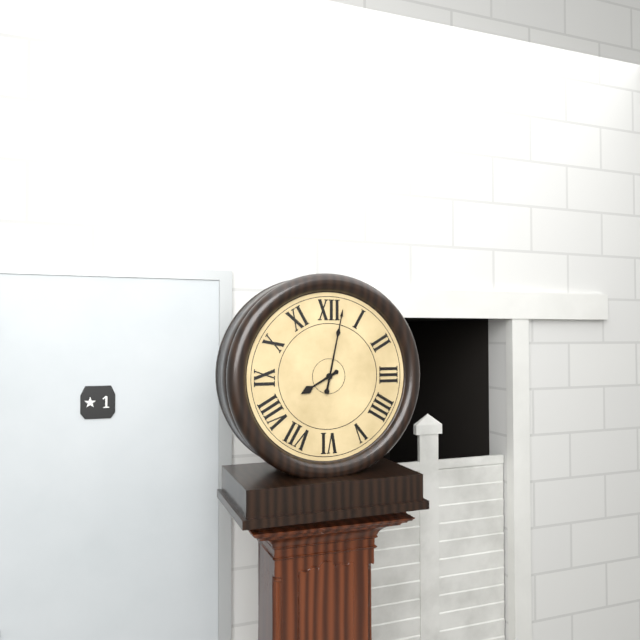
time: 8:02
